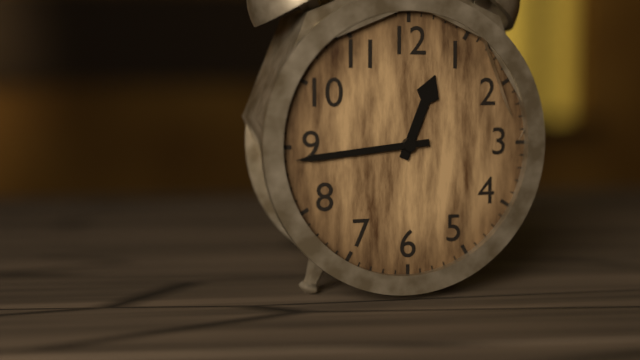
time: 12:44
